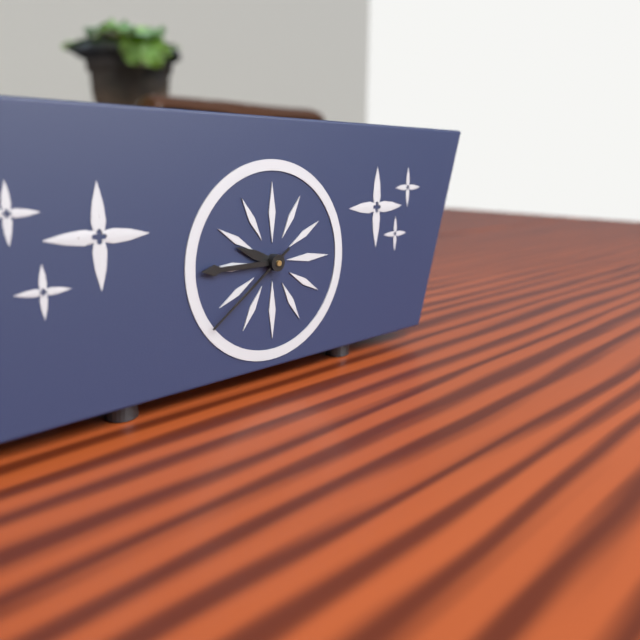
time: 9:45:39
